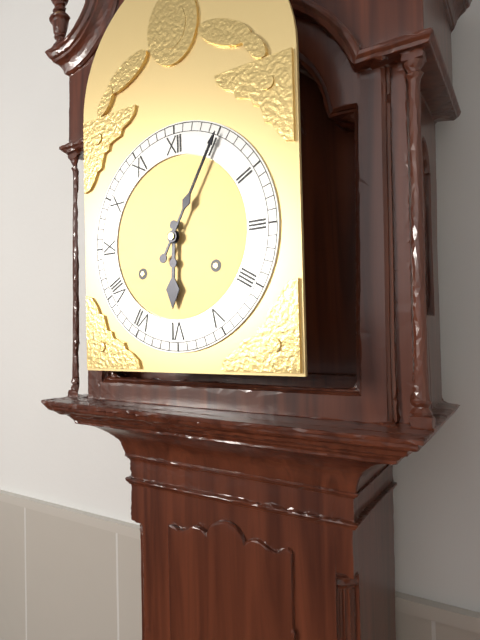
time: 6:05
